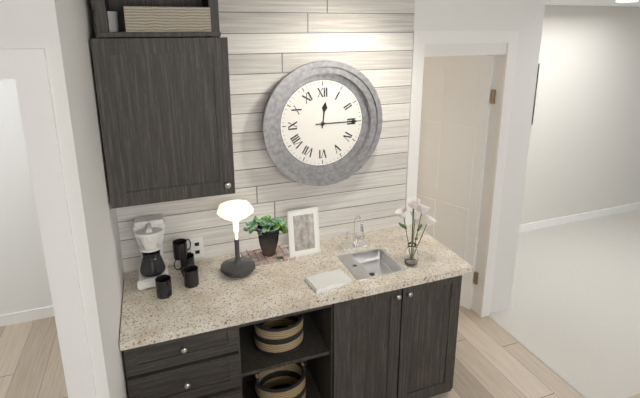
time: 12:15
